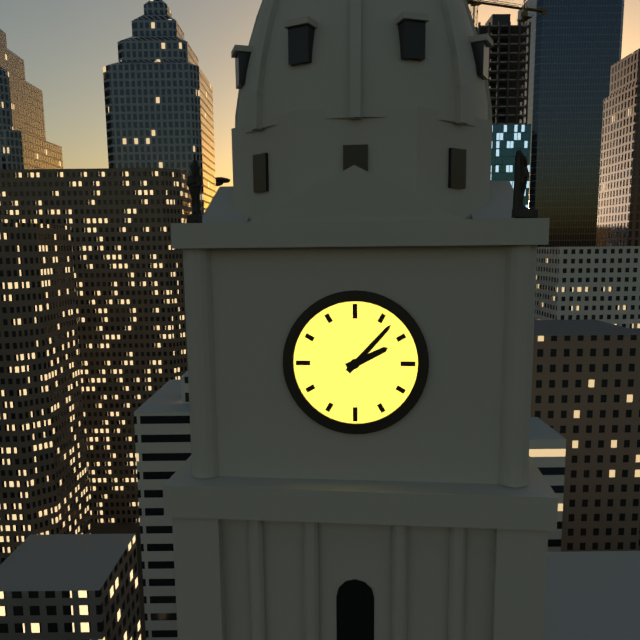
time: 2:07
